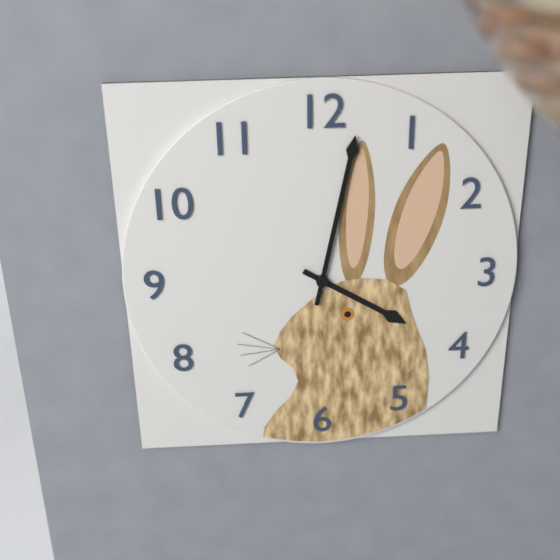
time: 4:02
